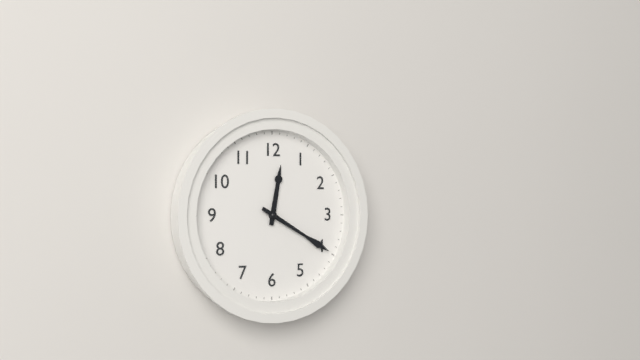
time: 12:20
